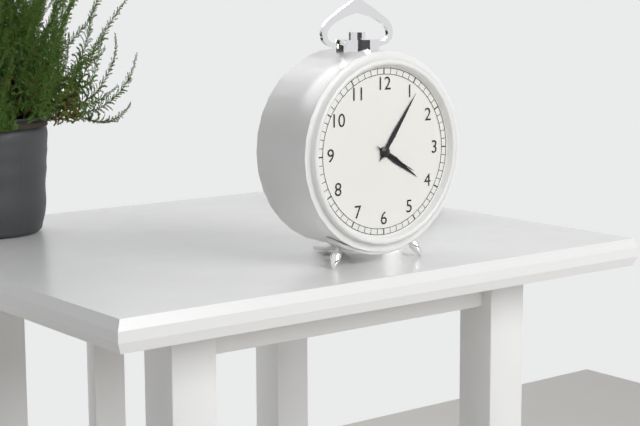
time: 4:06
